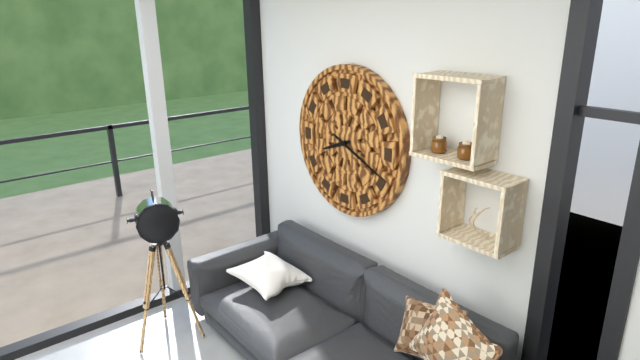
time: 8:19
